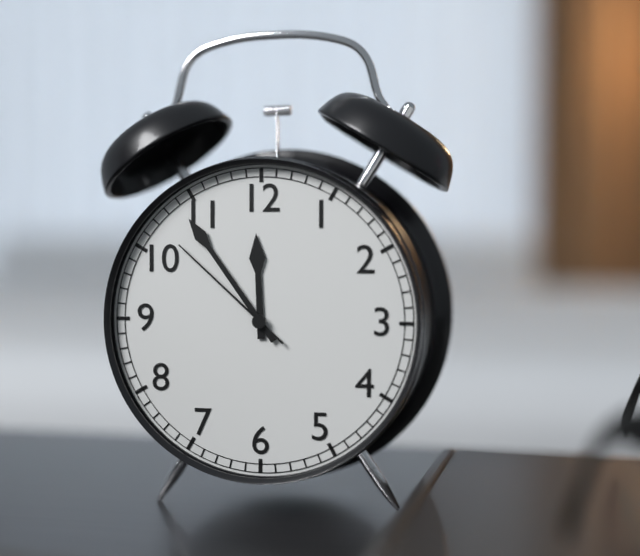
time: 11:54:52
